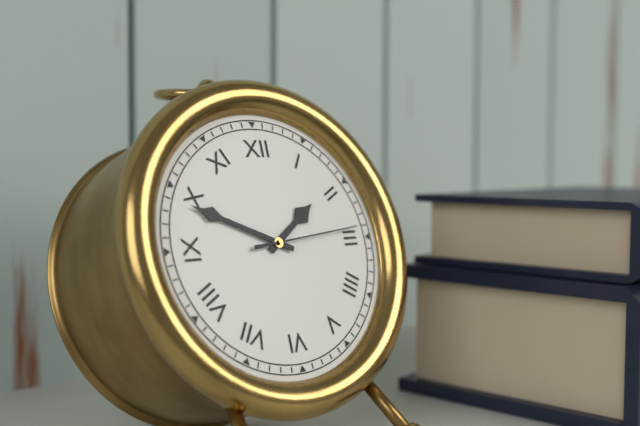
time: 1:49:14
